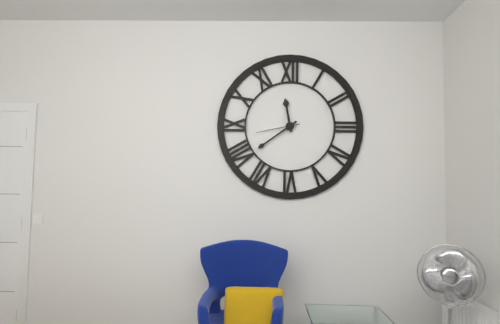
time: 11:39
